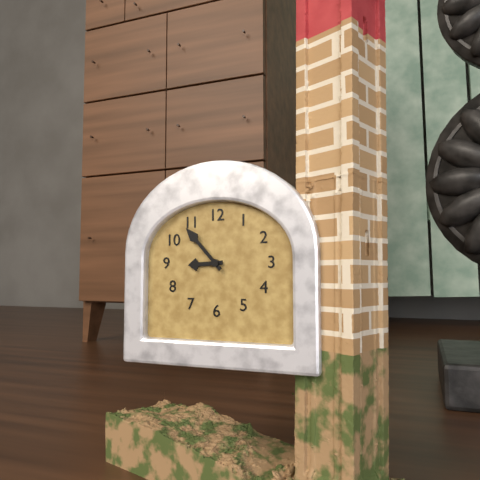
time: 8:53
